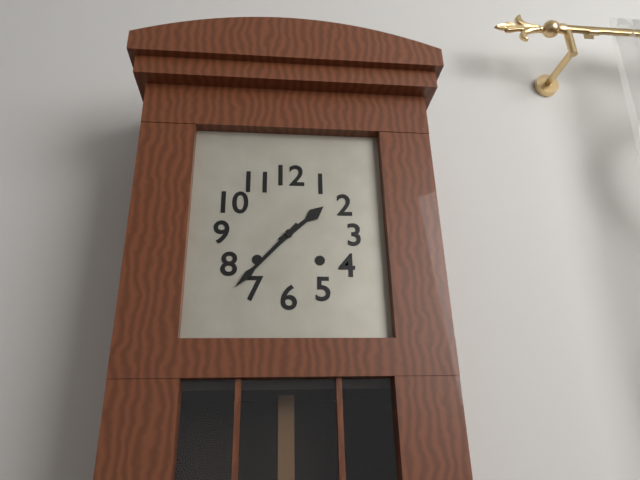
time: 1:37
